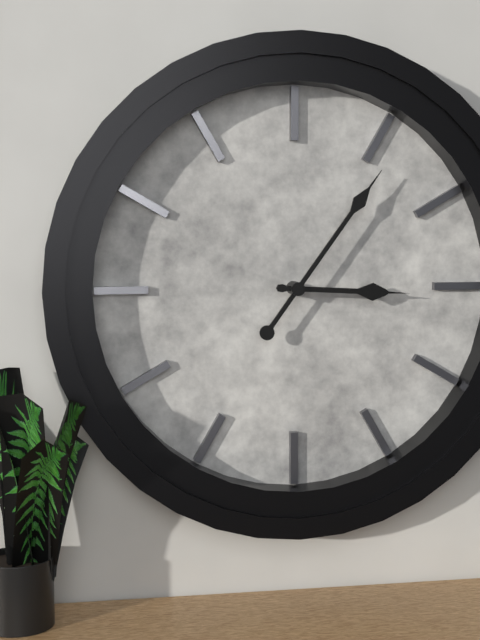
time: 3:06
